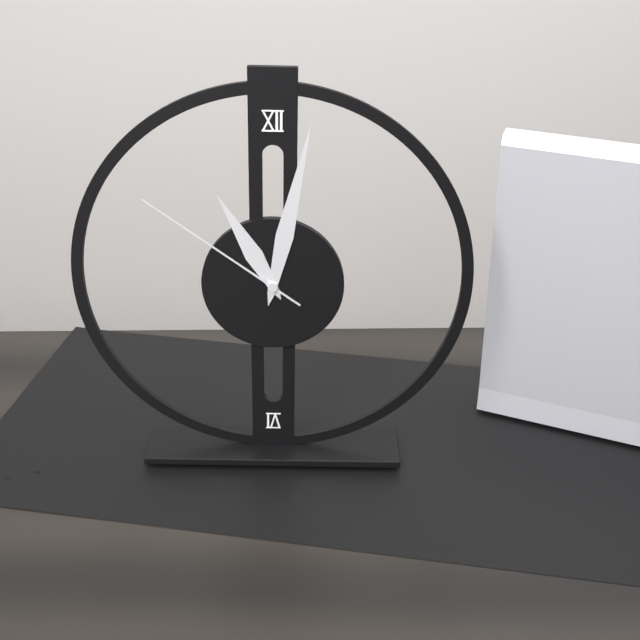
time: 11:02:51
